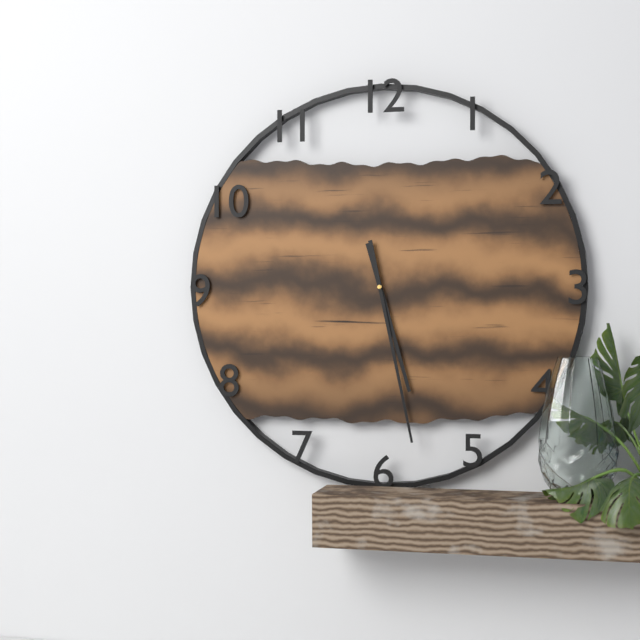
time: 5:28
